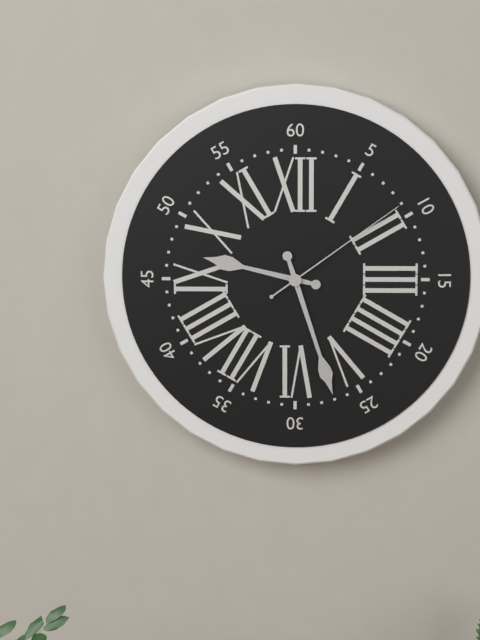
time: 9:27:09
